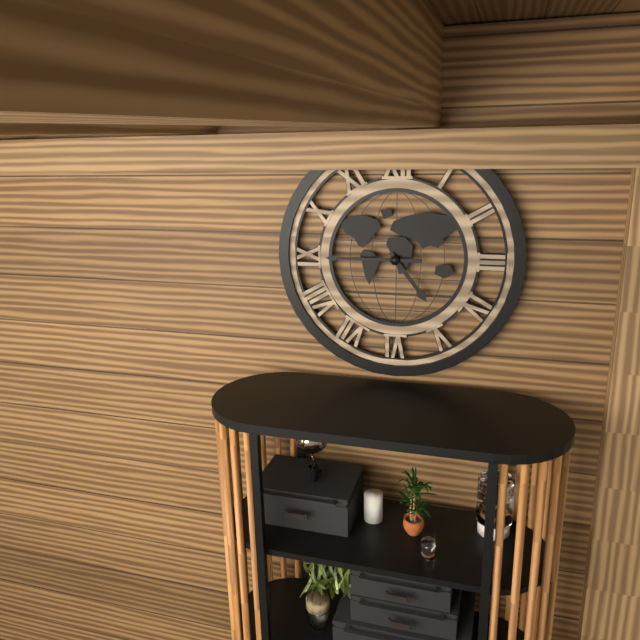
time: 4:45
